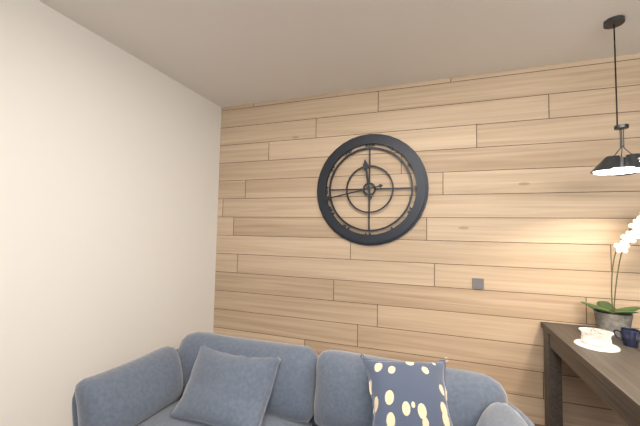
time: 11:43
